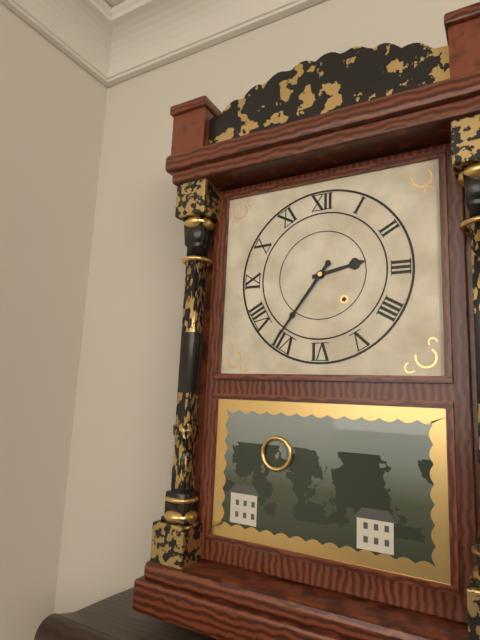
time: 2:36
